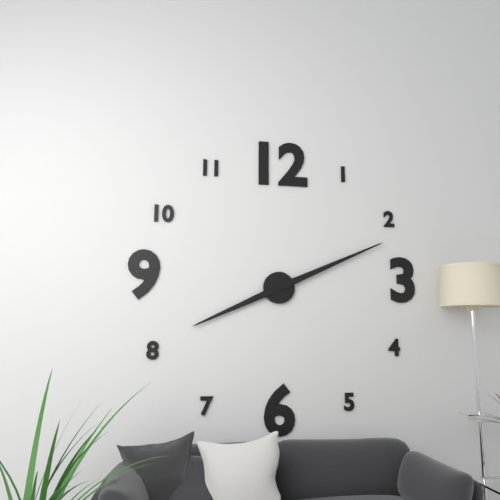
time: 8:11
